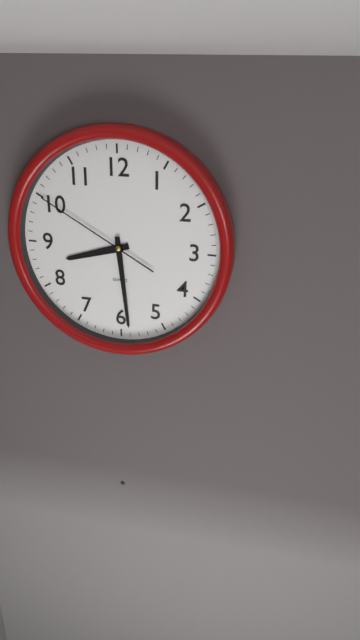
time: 8:29:50
